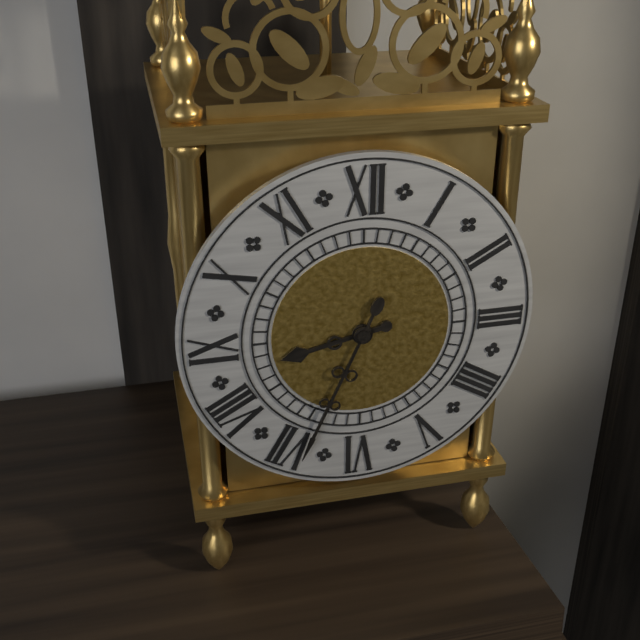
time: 8:34
